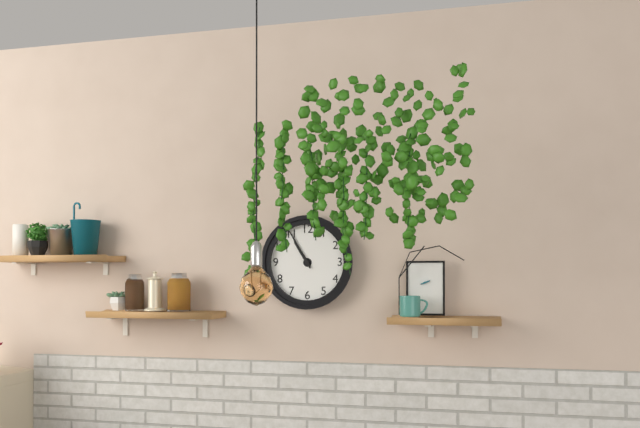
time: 10:55
